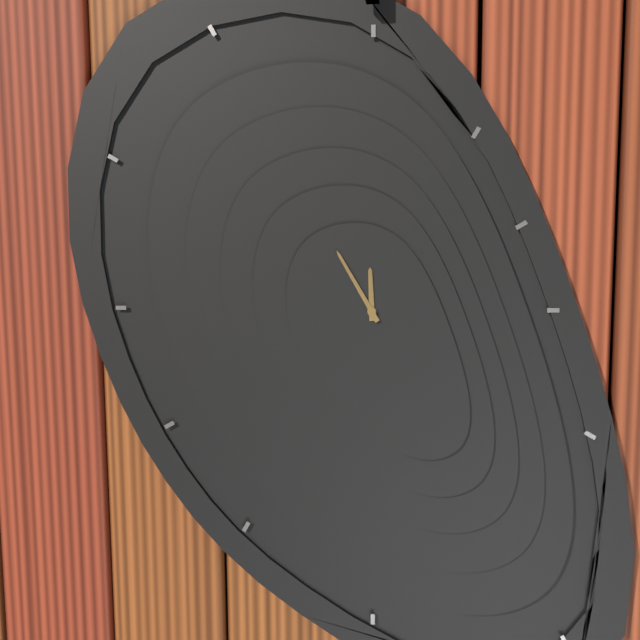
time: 11:55
